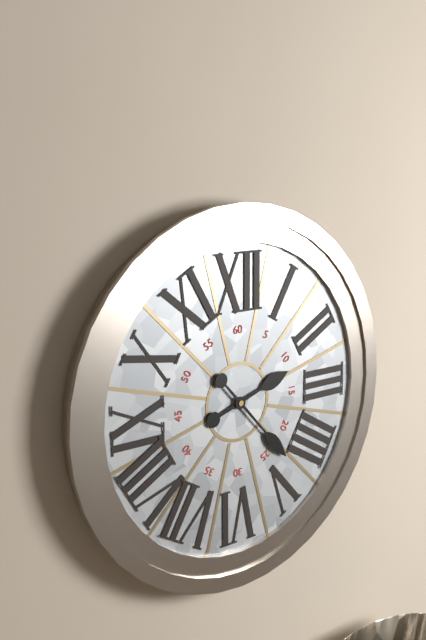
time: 2:23
